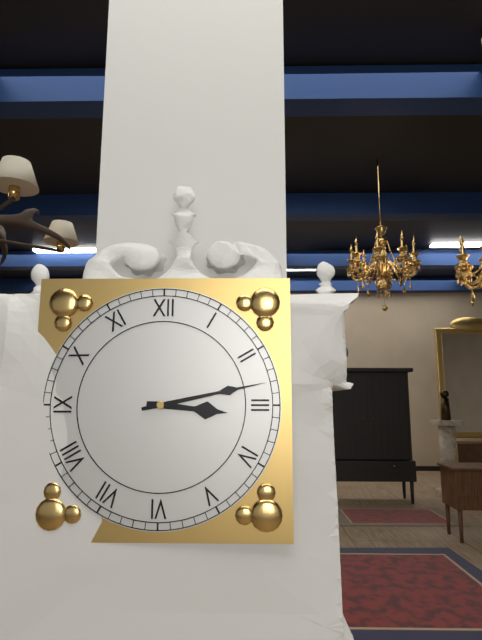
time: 3:13
